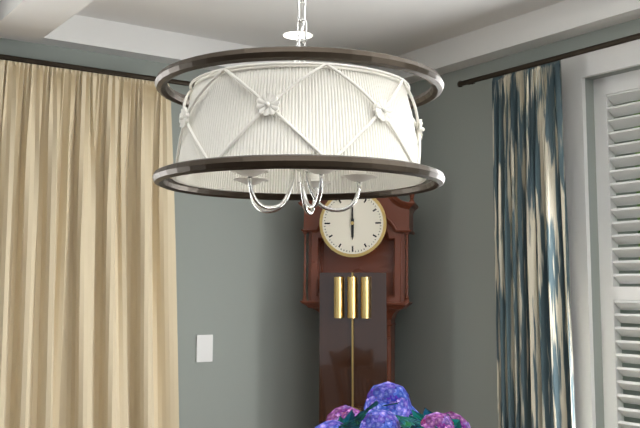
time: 6:00
